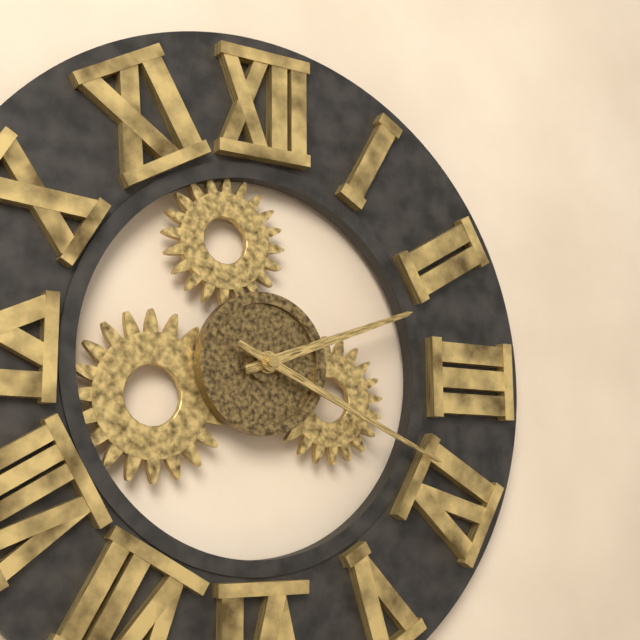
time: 2:19
